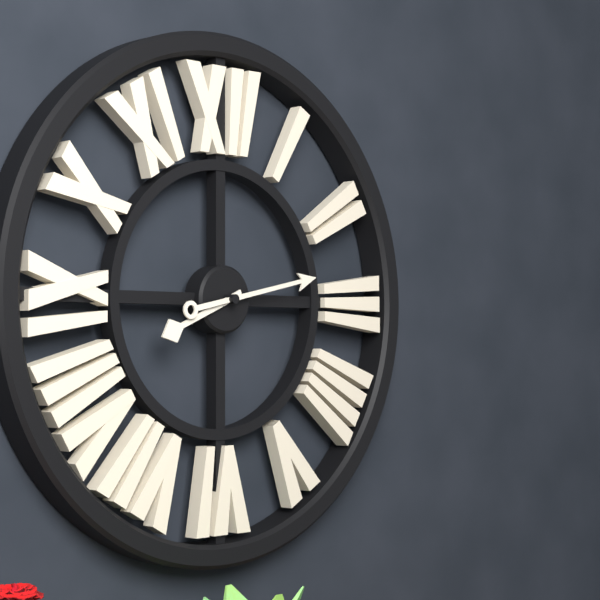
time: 8:13
